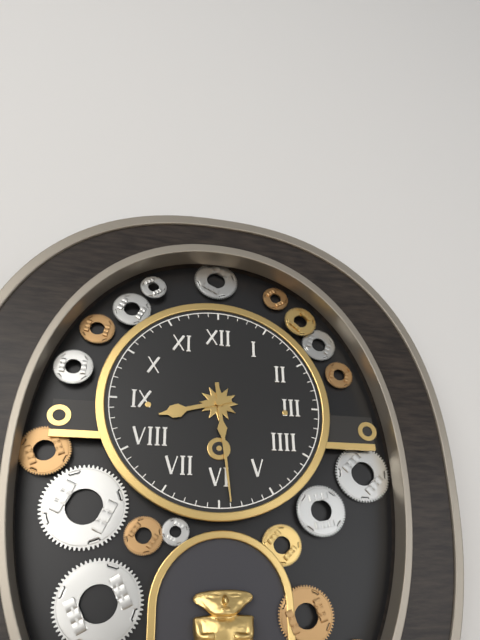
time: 8:29
